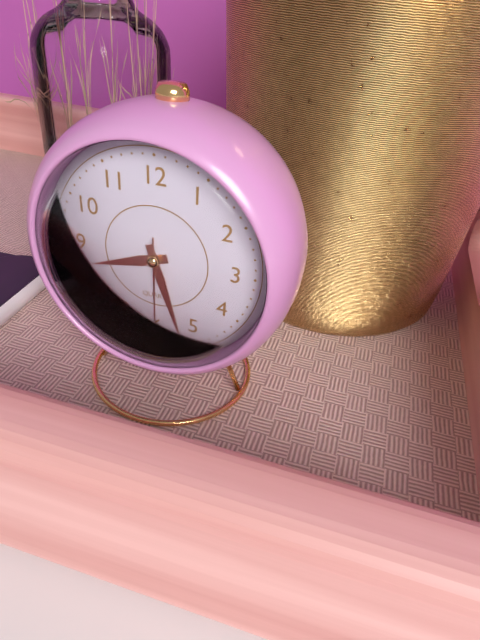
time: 8:27:30
